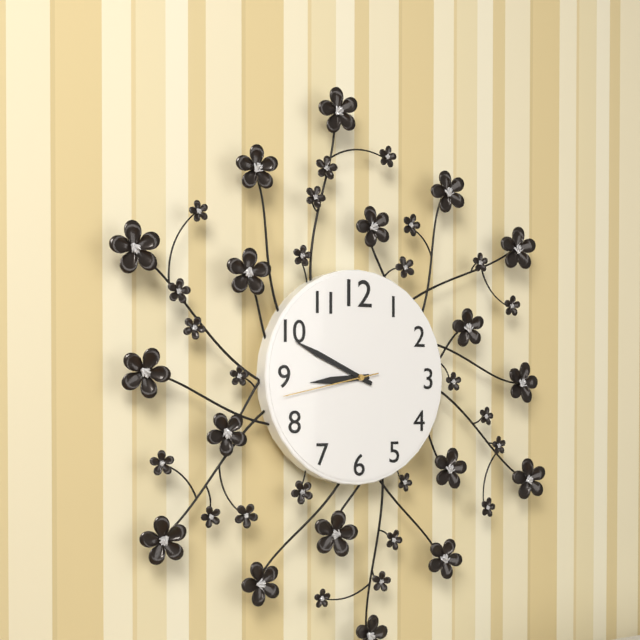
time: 8:49:43
